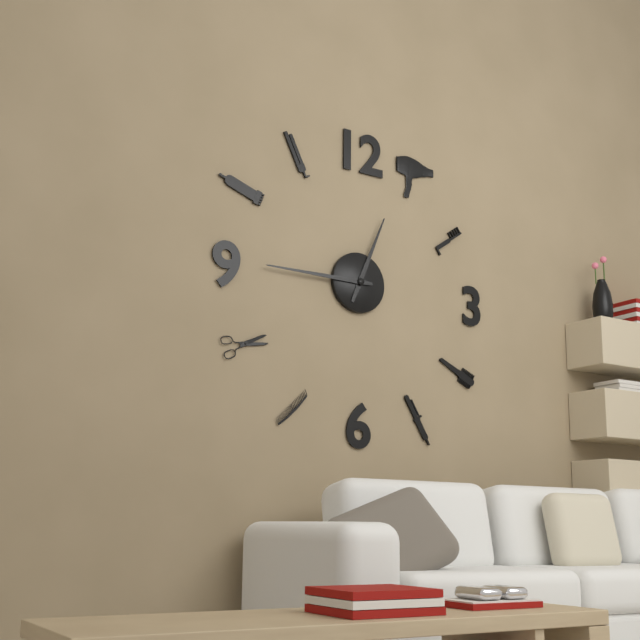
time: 12:45
